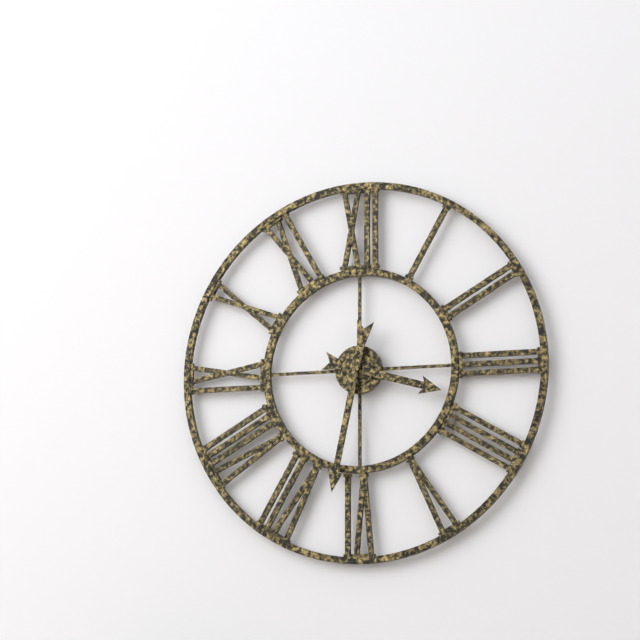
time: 3:32
